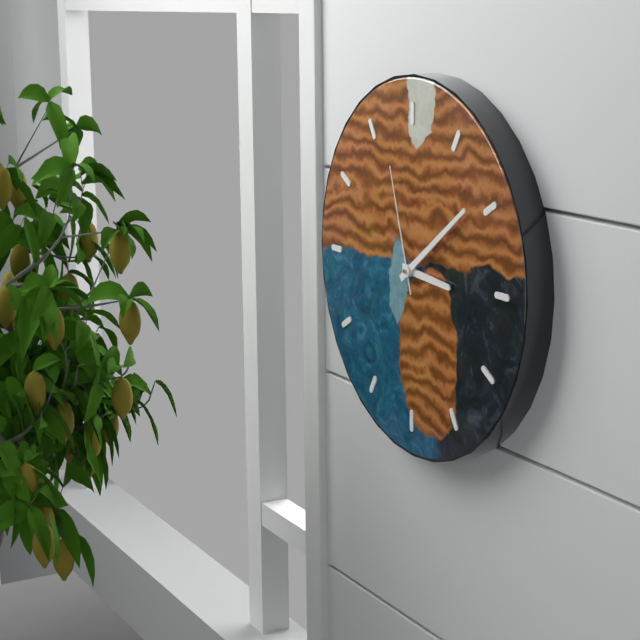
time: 3:09:57
